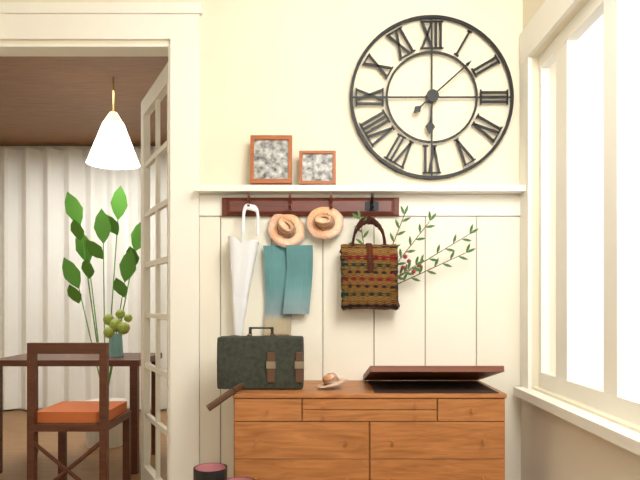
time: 6:08
